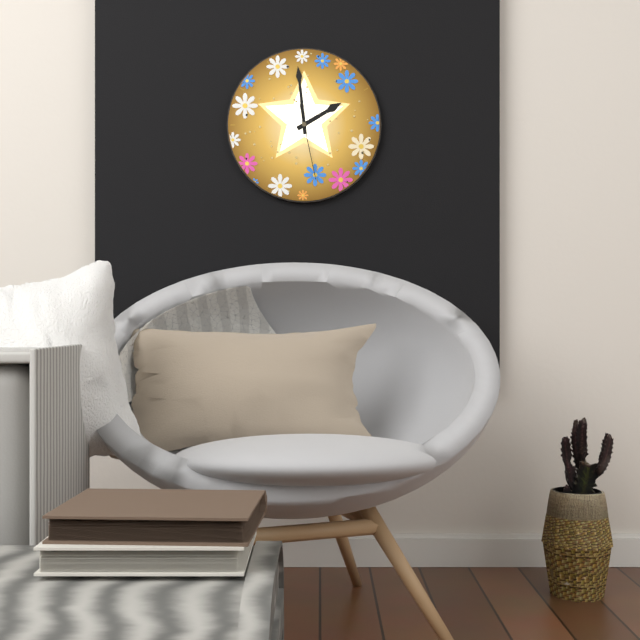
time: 1:59:28
